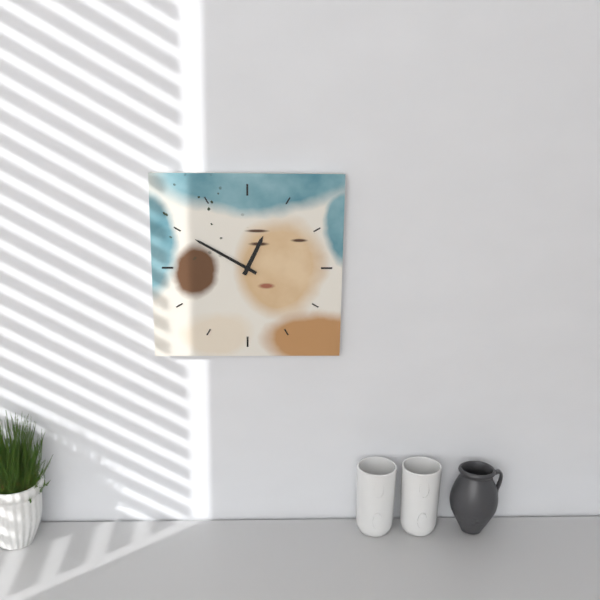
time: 12:50
